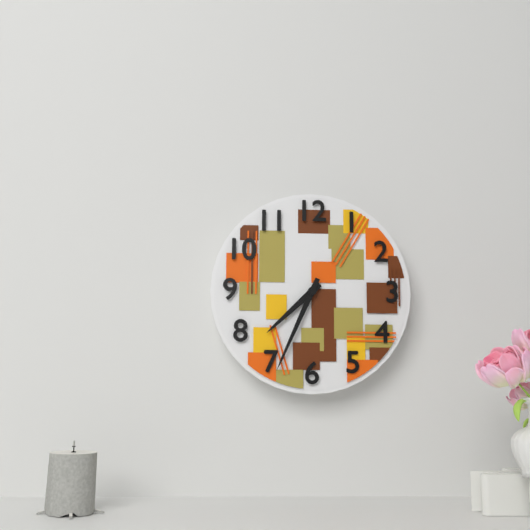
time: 7:34
